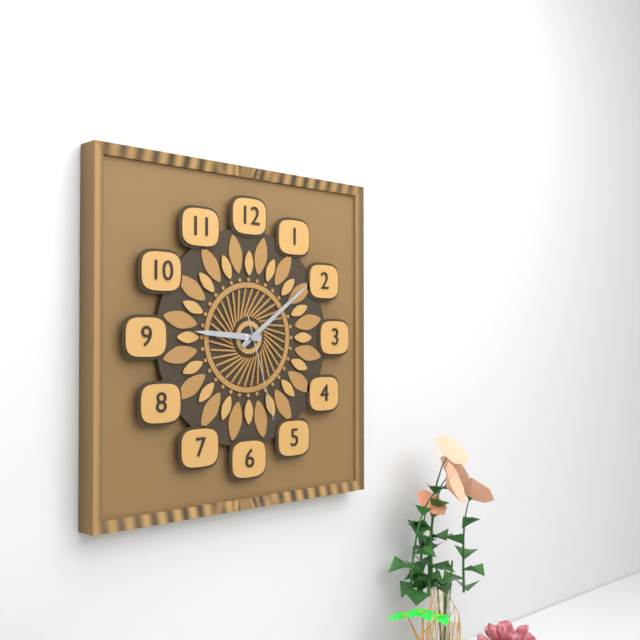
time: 9:09:27
